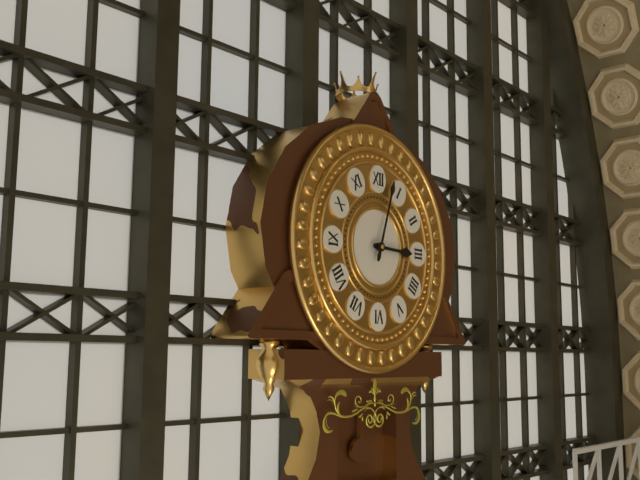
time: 3:03
